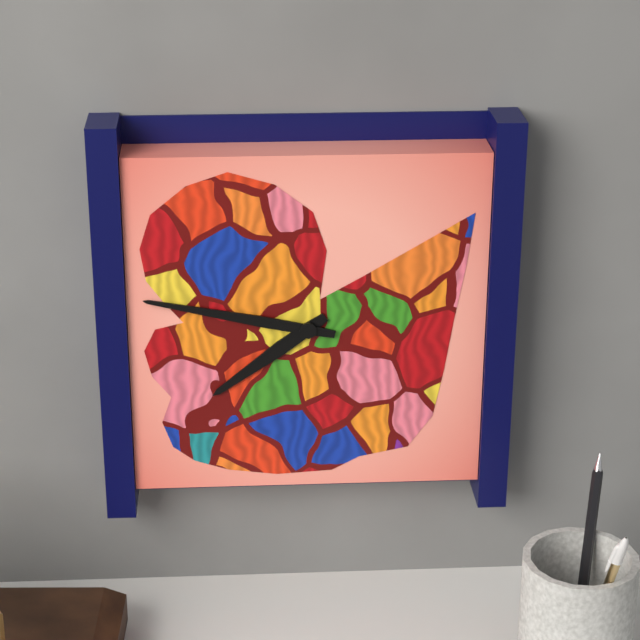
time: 7:47
